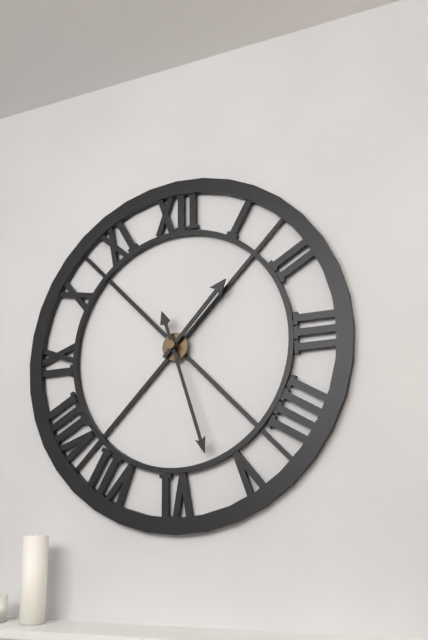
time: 1:27
